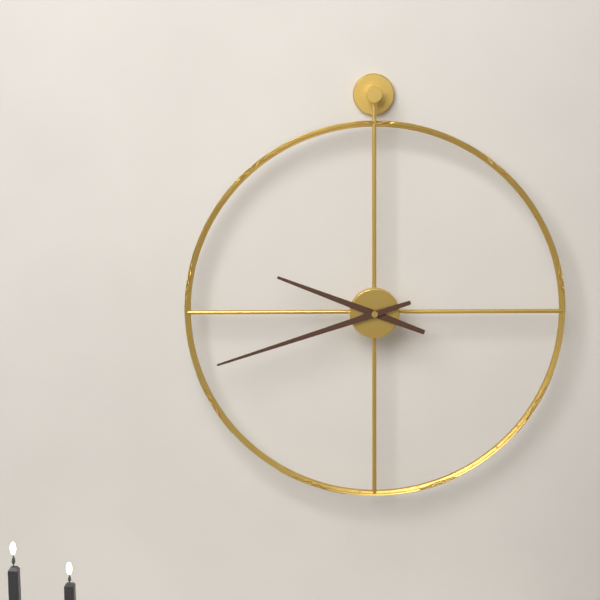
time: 9:42
